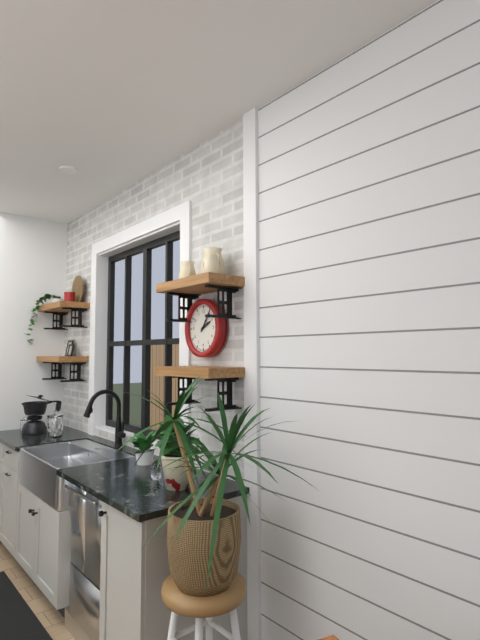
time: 2:06
